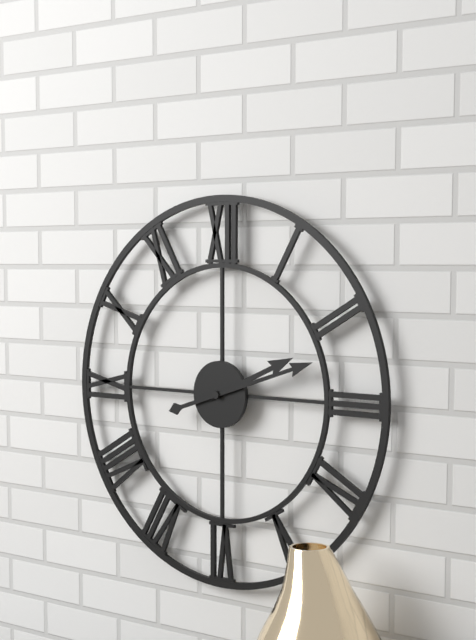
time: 2:12
